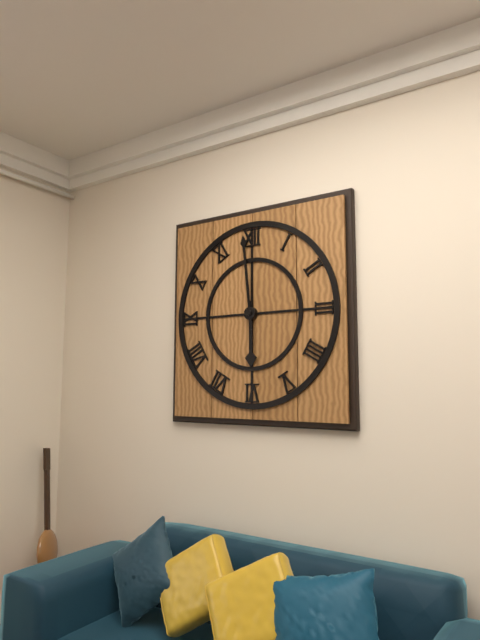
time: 5:59
